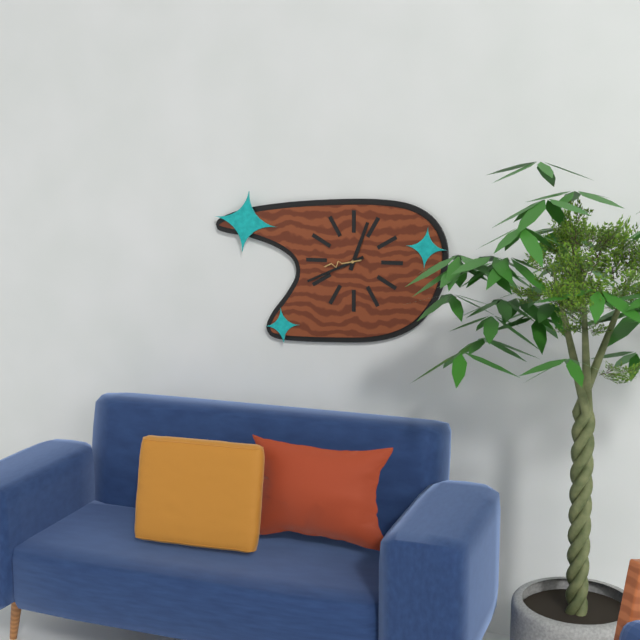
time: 12:41
